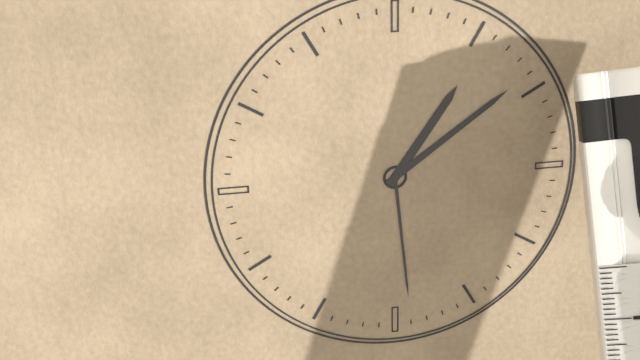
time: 1:09:29
